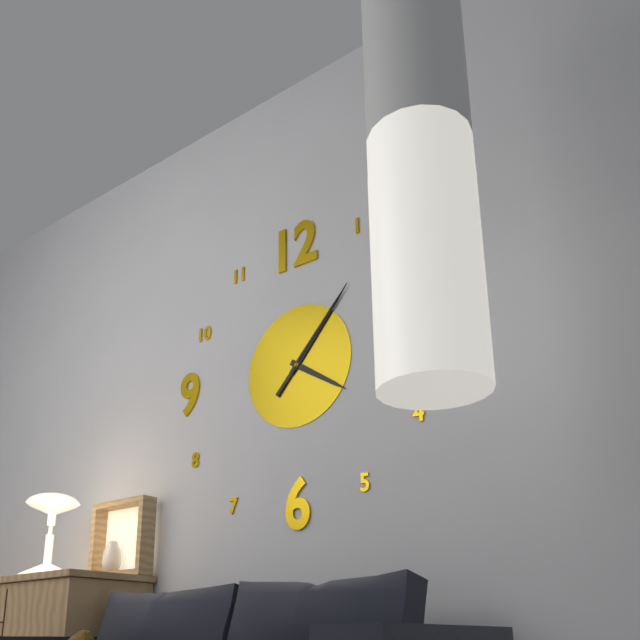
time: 4:07:07
